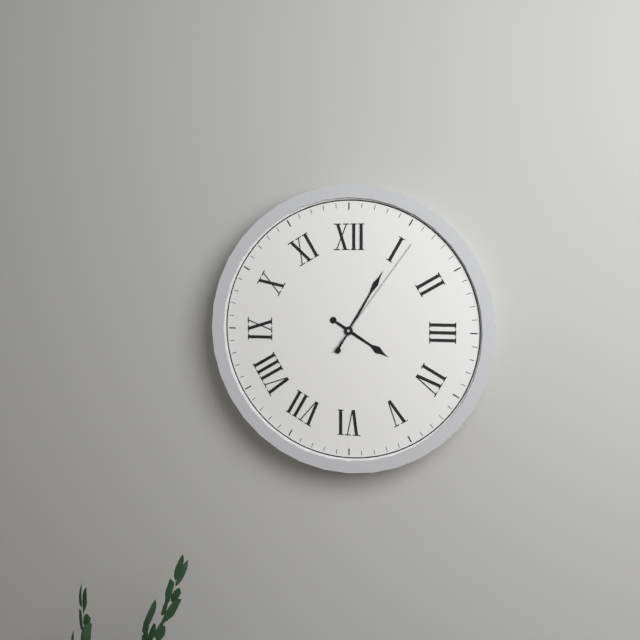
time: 4:05:06
